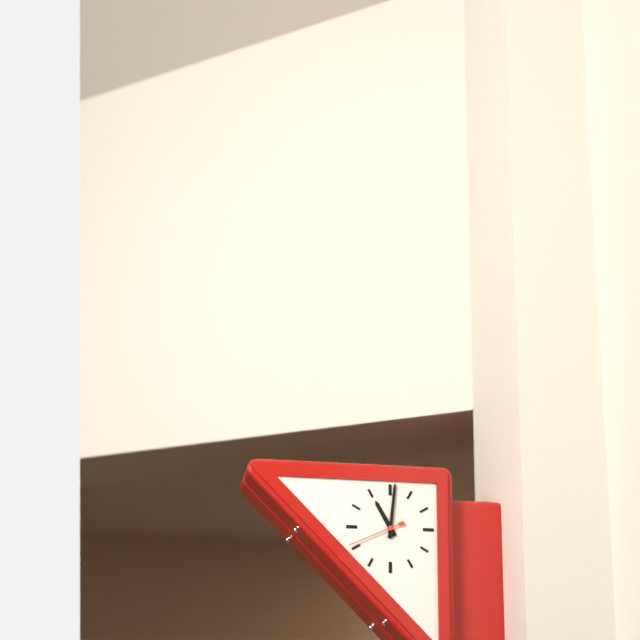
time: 11:01:41
